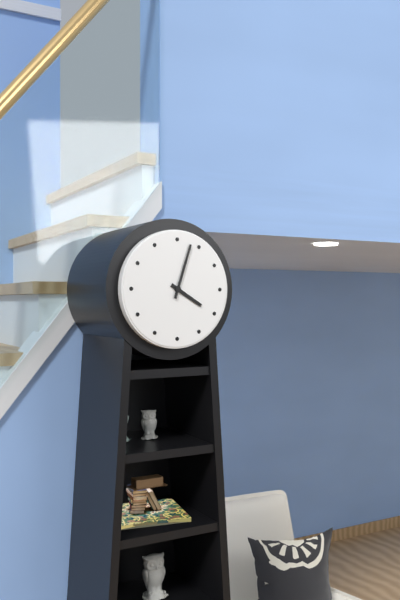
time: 4:03
